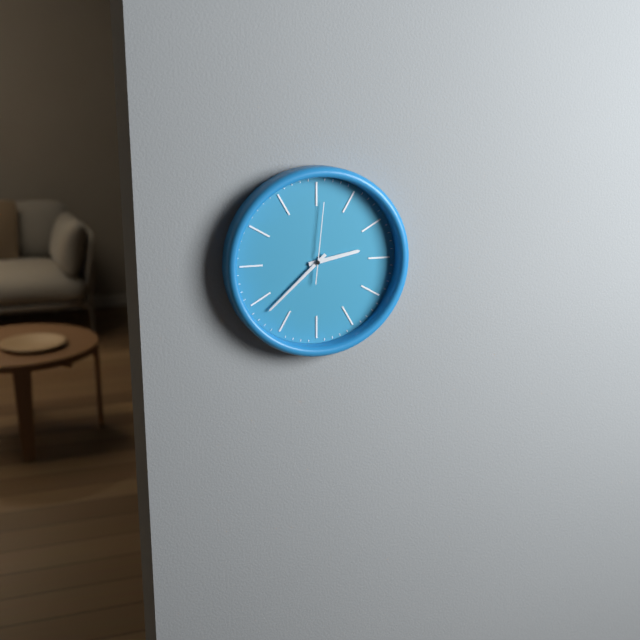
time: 2:38:01
